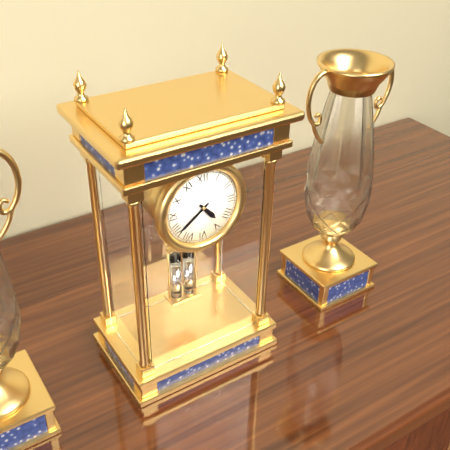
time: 4:39
